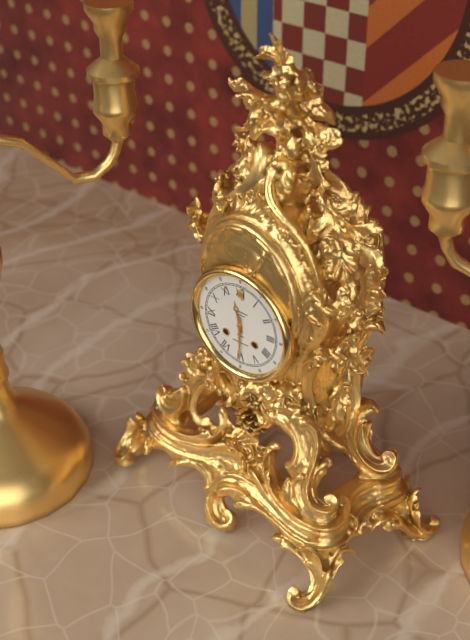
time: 11:30
